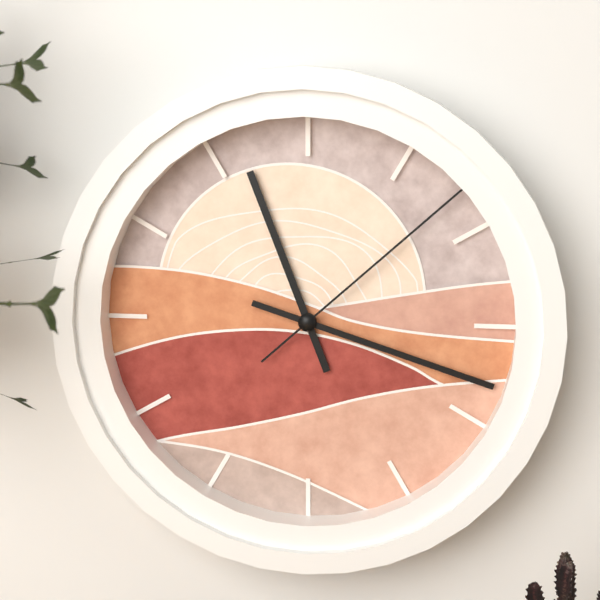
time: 11:18:08
